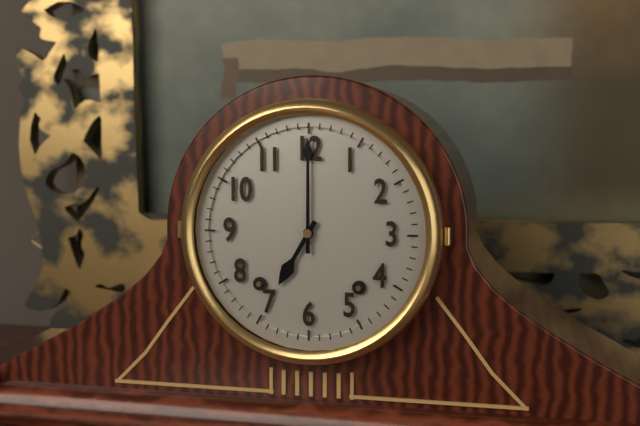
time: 7:00
